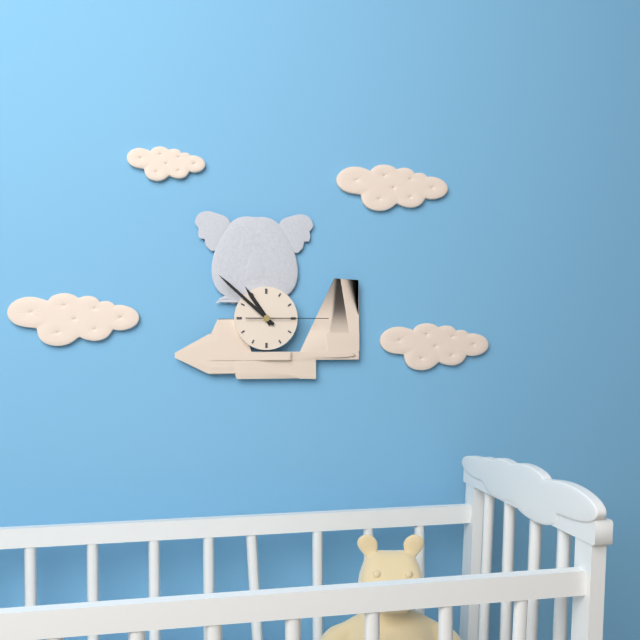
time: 10:52:15
